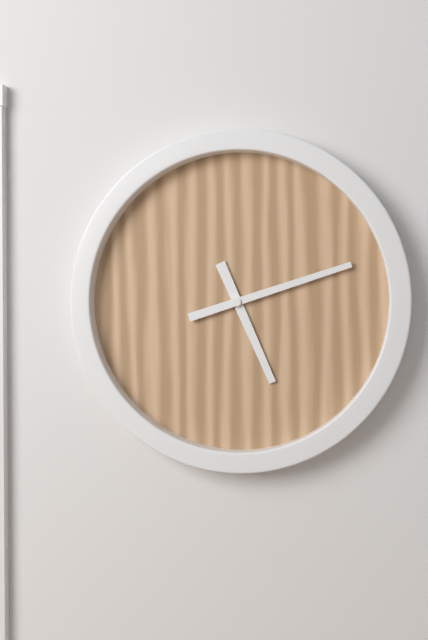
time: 5:12
